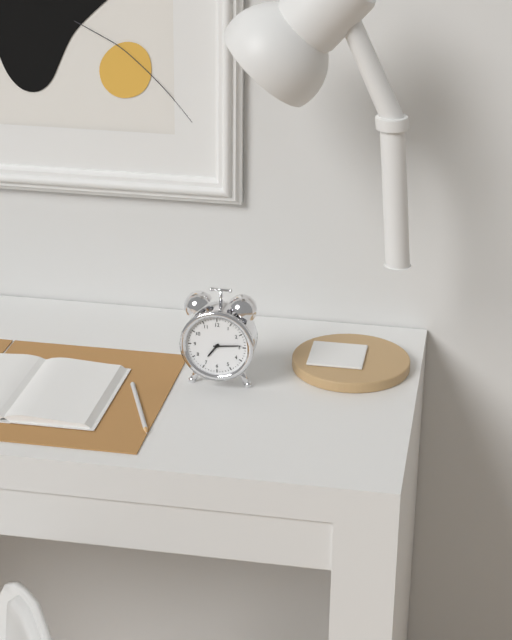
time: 7:14
